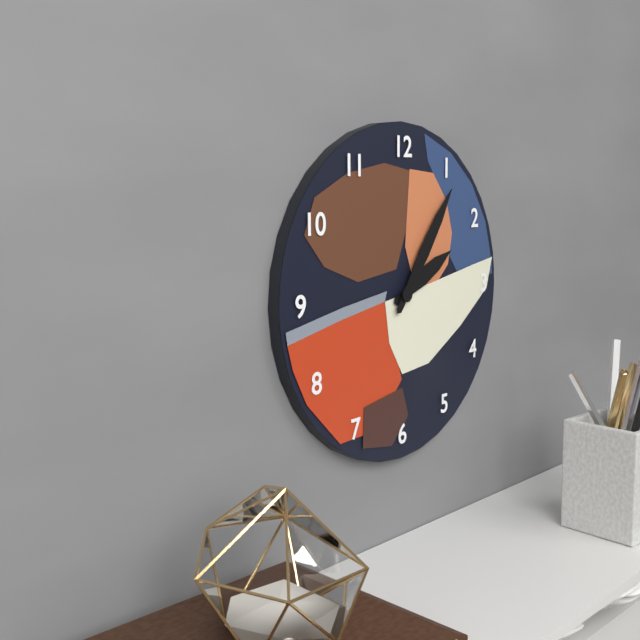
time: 2:06
